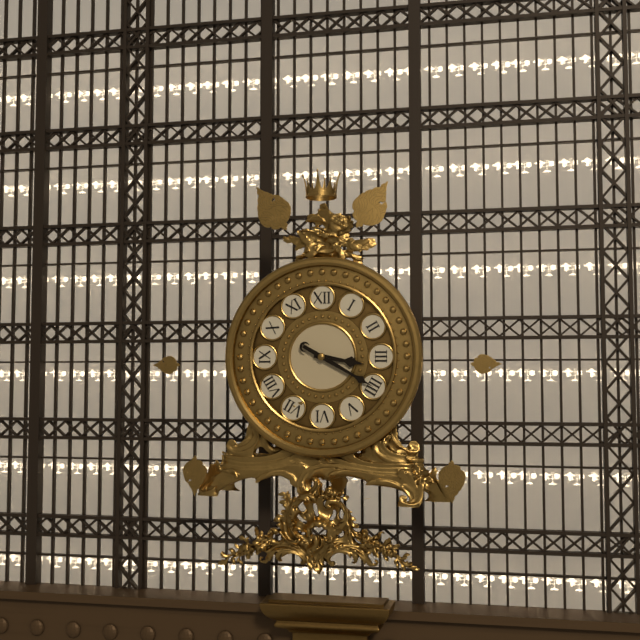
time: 3:20
